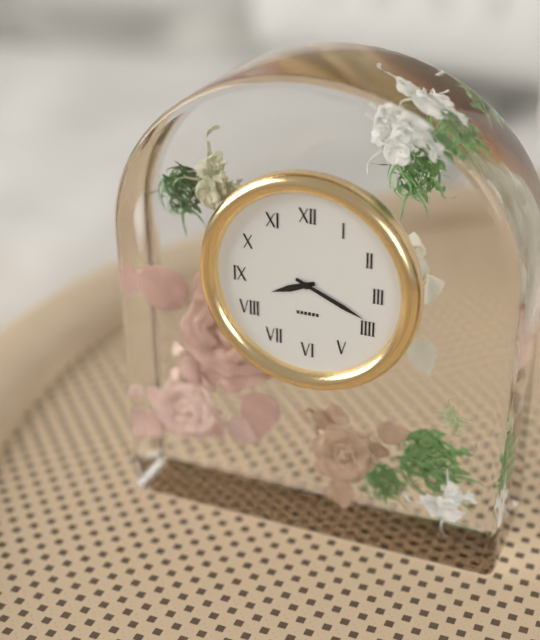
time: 8:19
